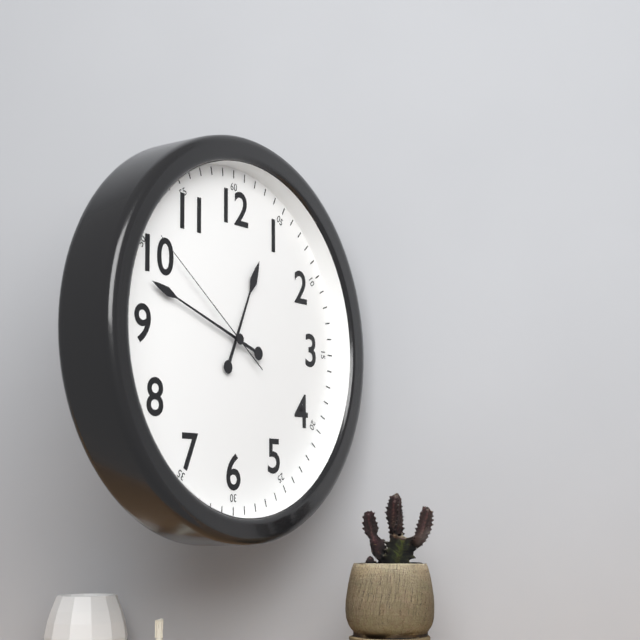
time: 12:48:51
